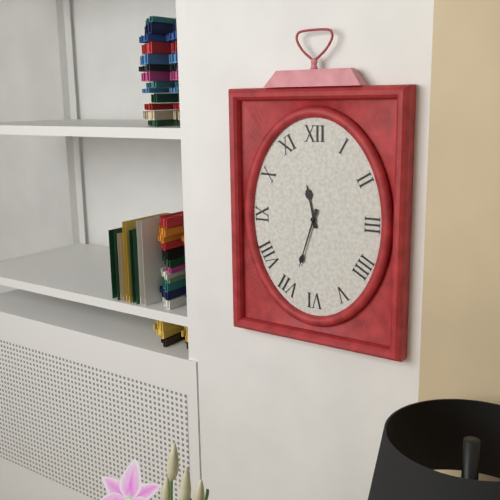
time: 11:33
